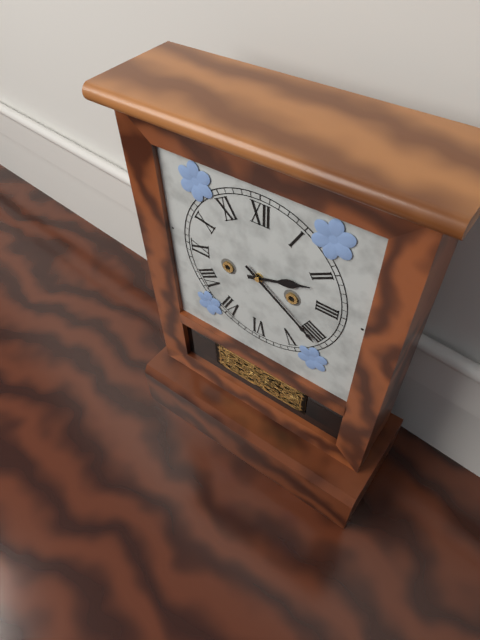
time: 2:21
